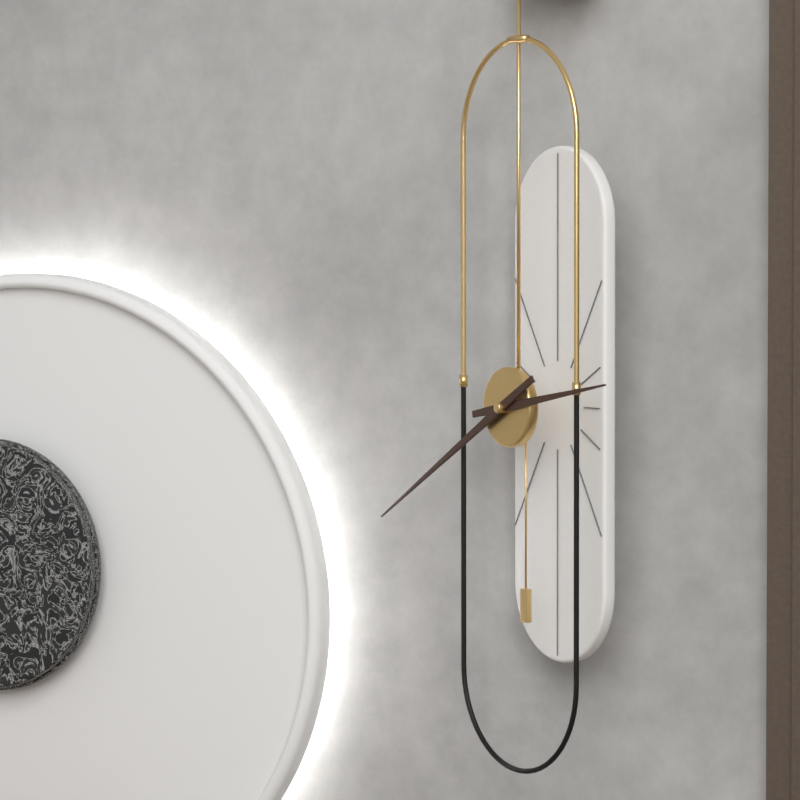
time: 2:40
